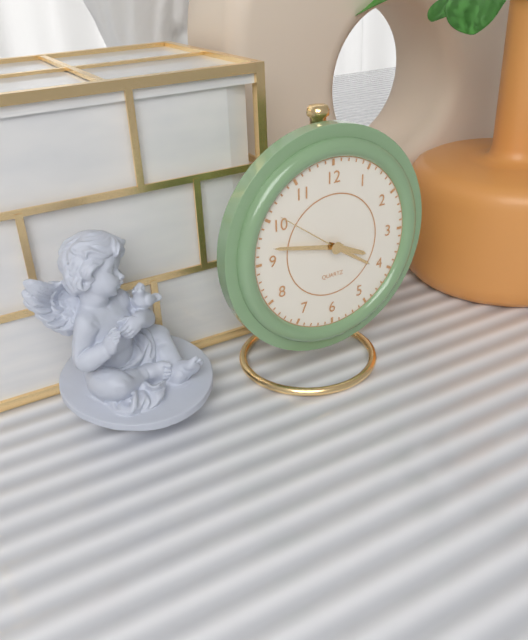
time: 3:47:51
